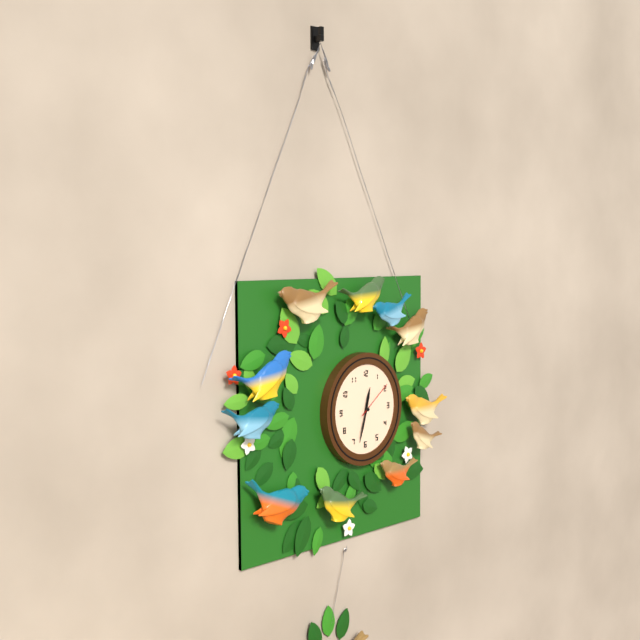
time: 12:33
